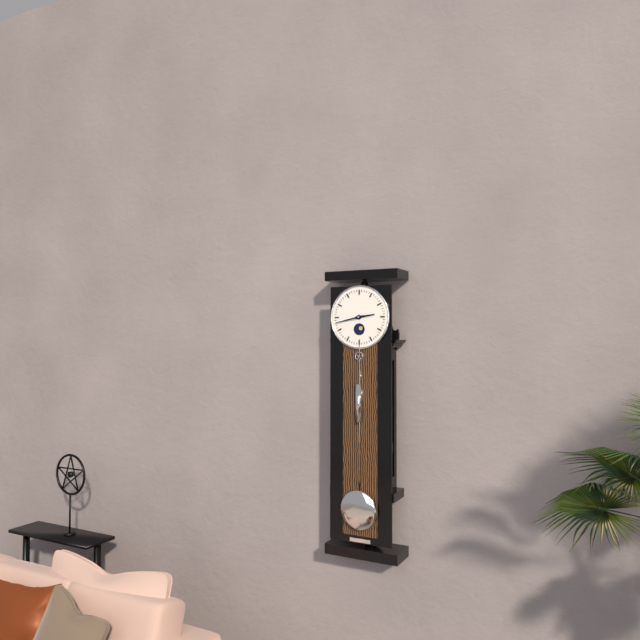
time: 2:43
